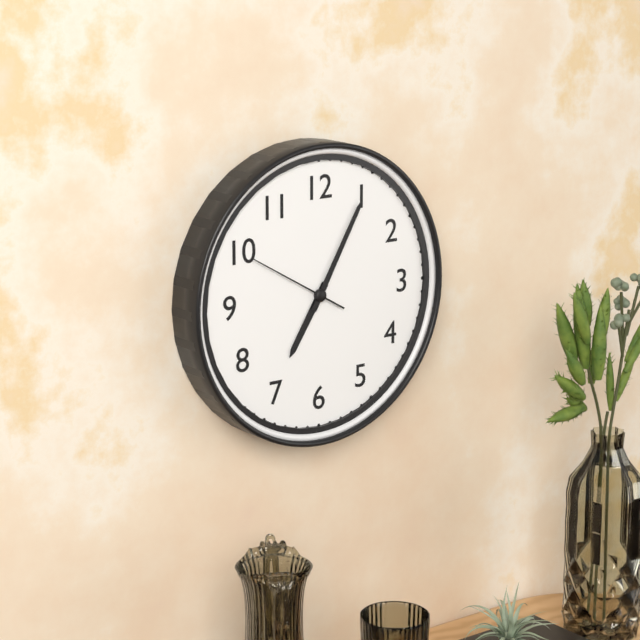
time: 7:05:50
